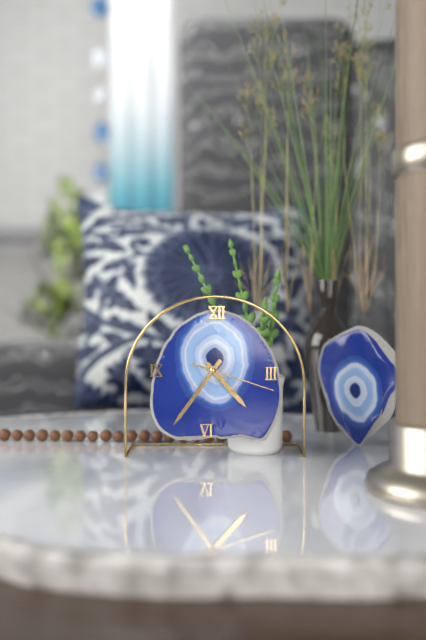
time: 4:36:18
